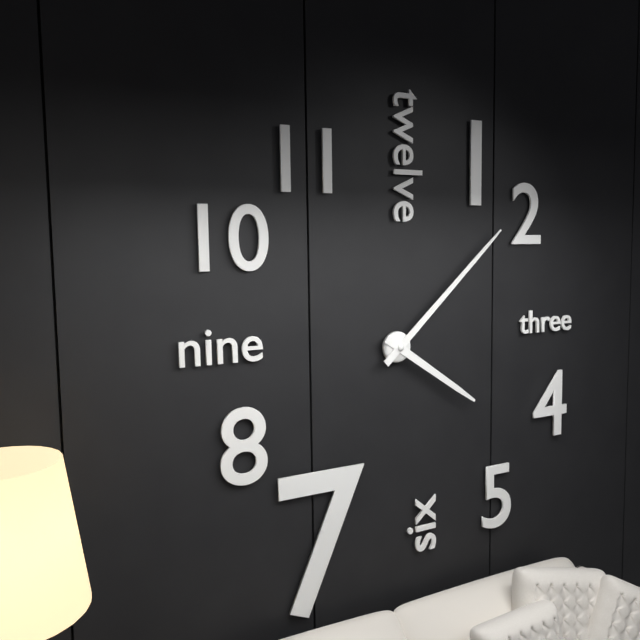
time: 4:08
